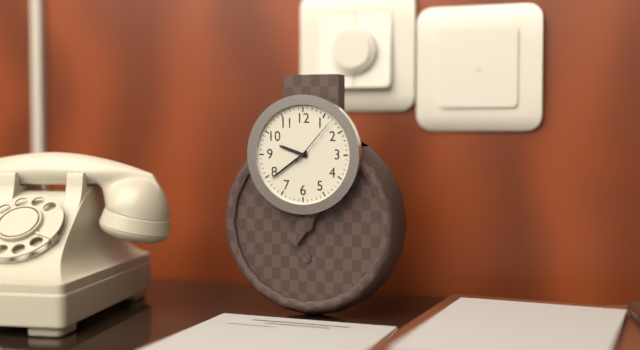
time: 9:39:07
